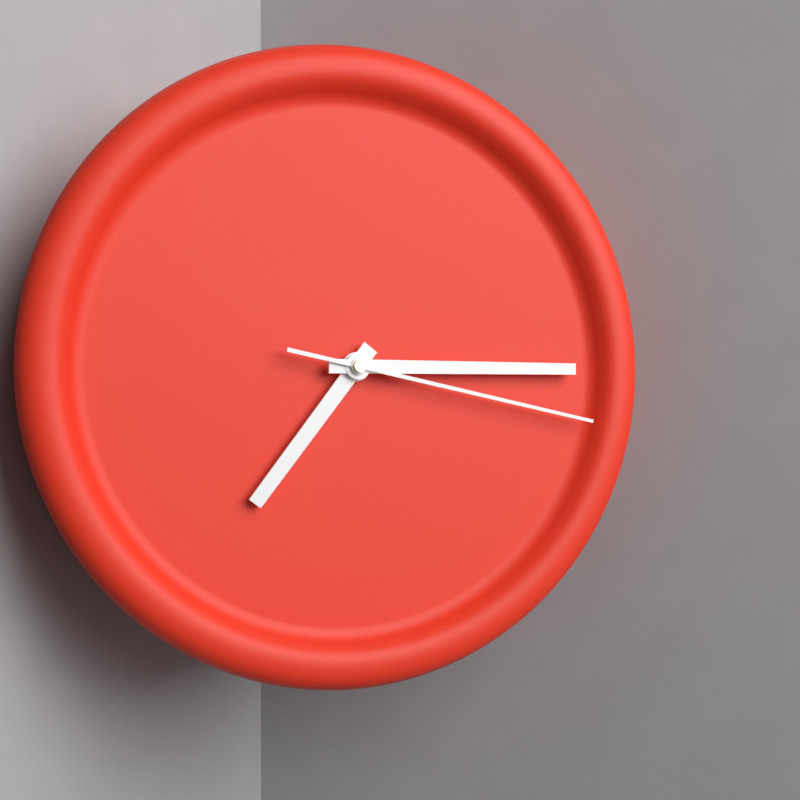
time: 7:15:17
